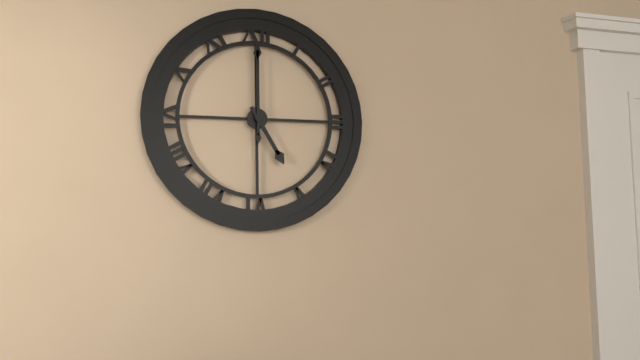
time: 5:00
